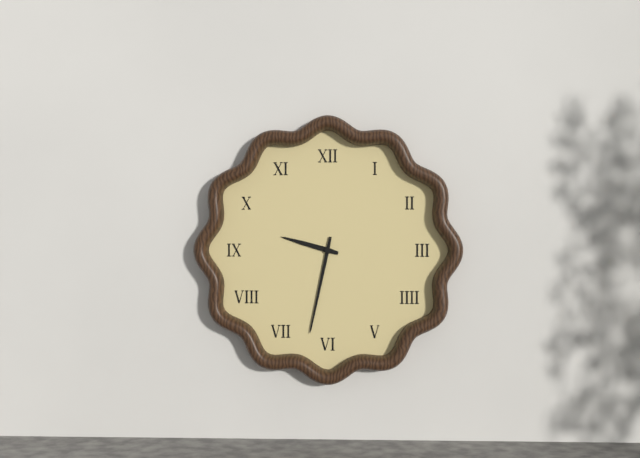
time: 9:32
